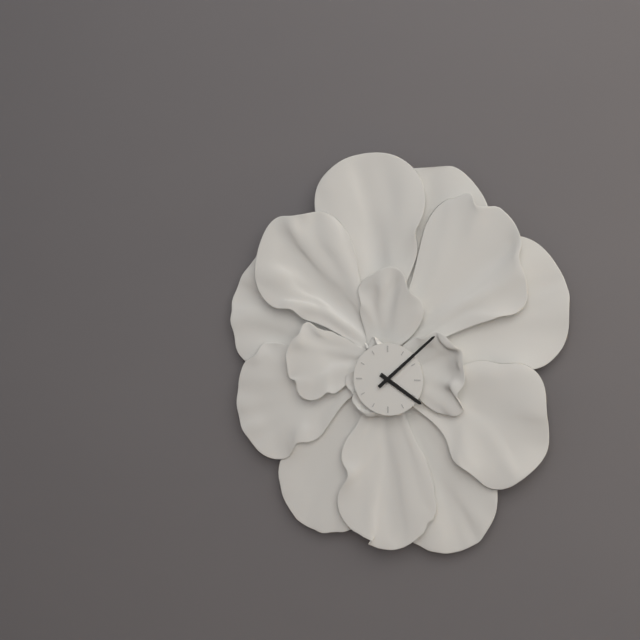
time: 4:08
